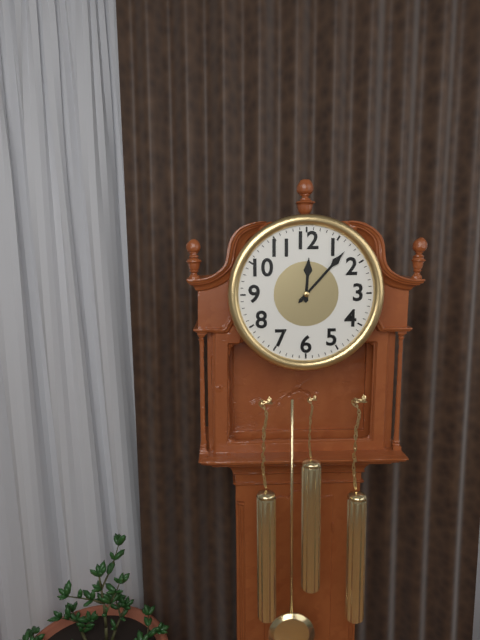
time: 12:07
